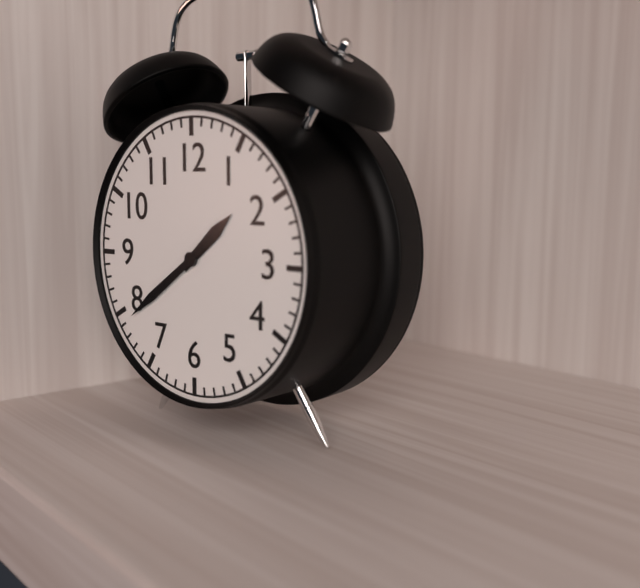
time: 1:39
